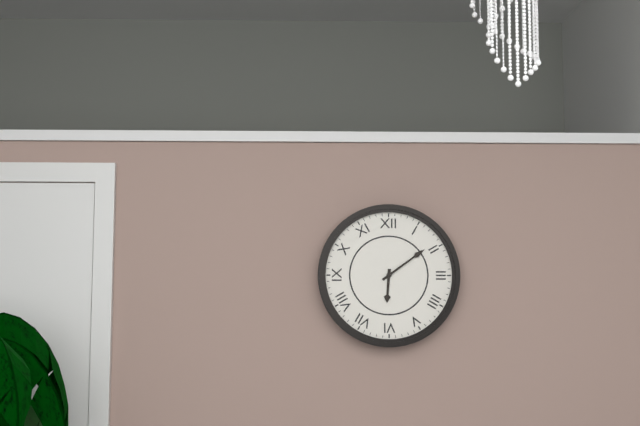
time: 6:09
